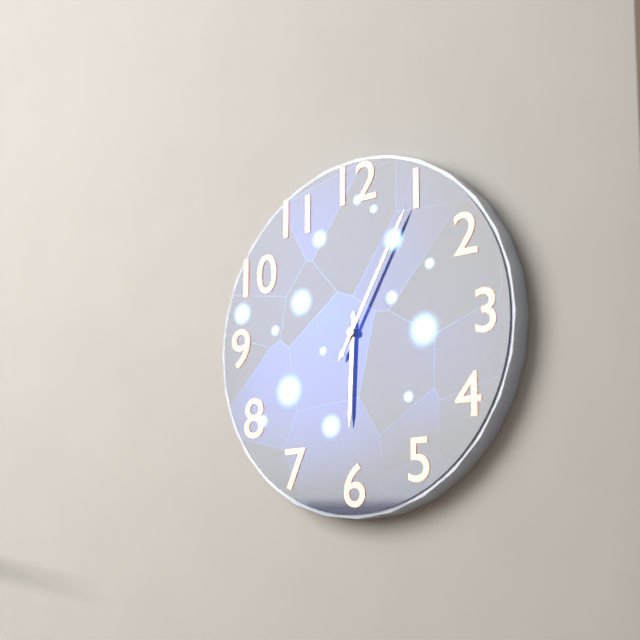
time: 6:05
